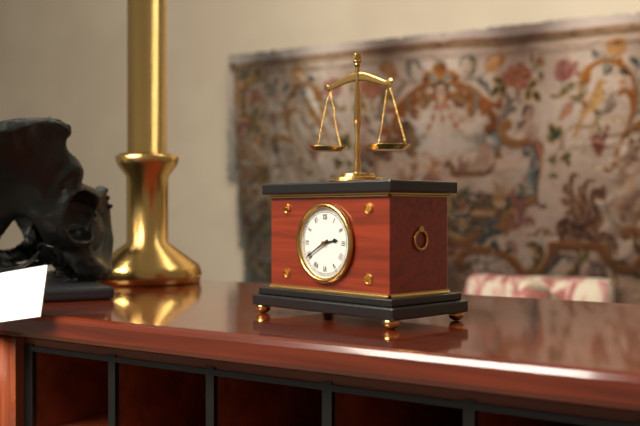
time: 2:40
